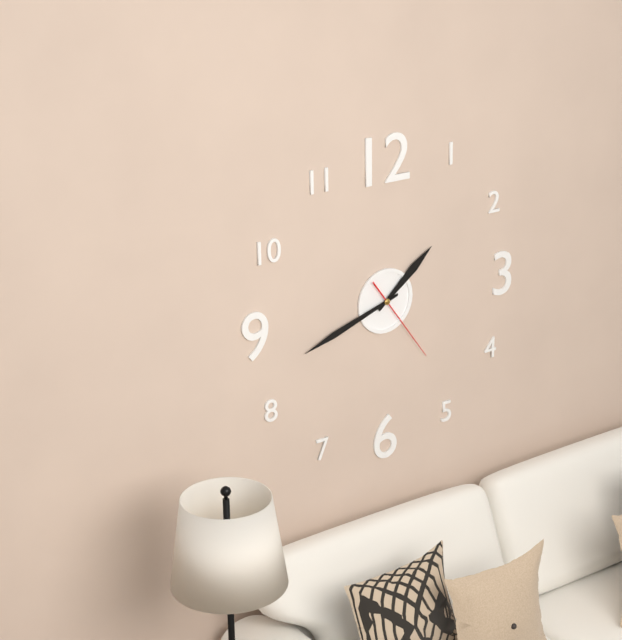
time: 1:42:24
